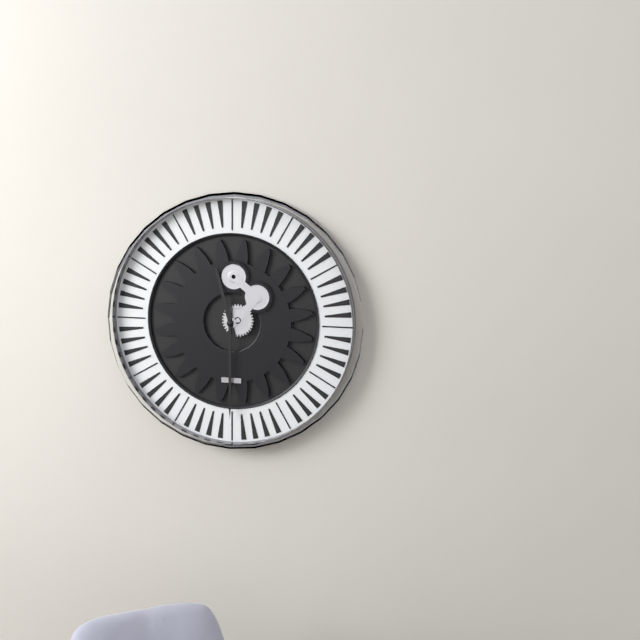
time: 11:30
